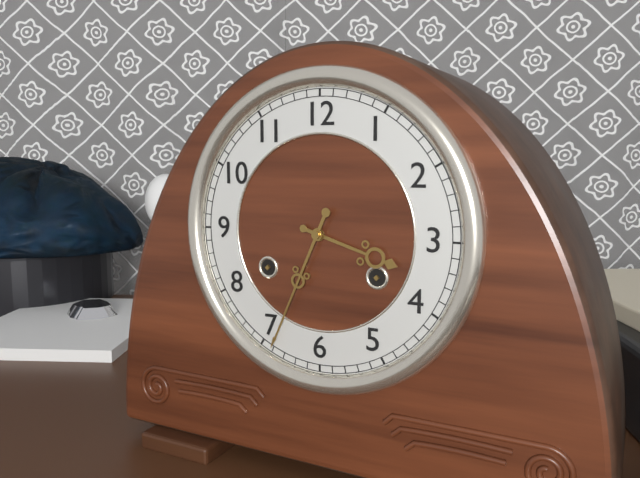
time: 3:34
